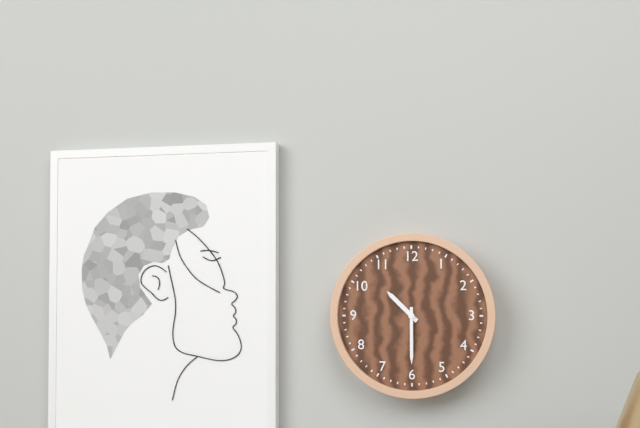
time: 10:30
